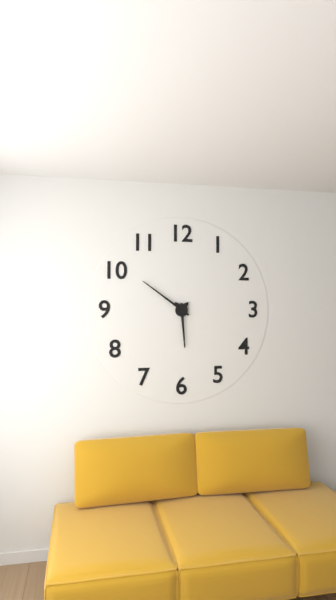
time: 5:51
